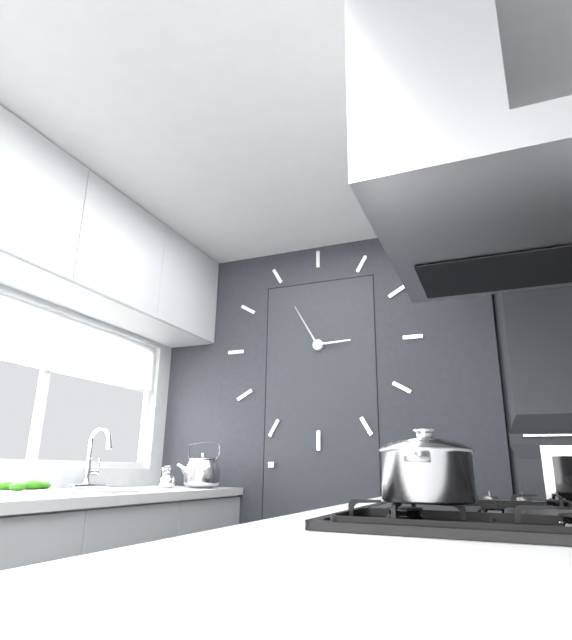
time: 2:55
